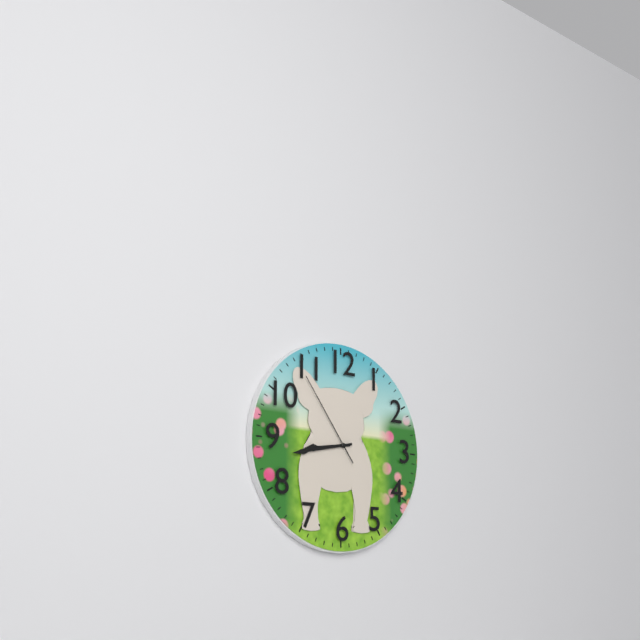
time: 8:43:54
